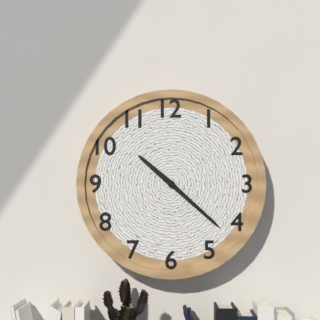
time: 10:22
